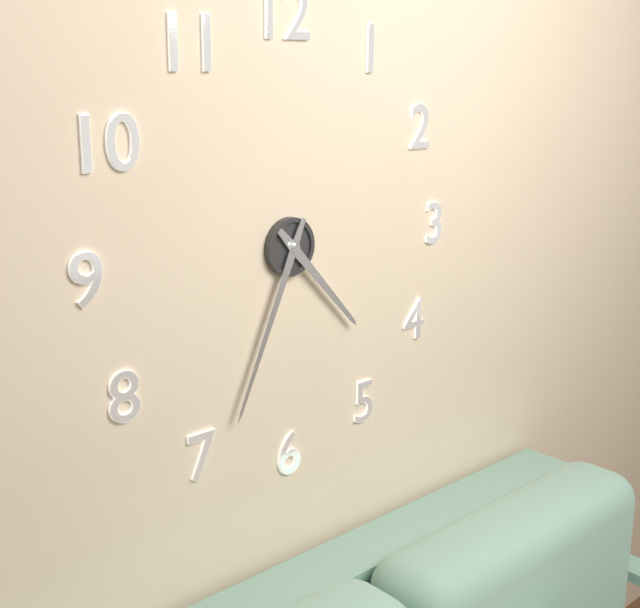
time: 4:34
